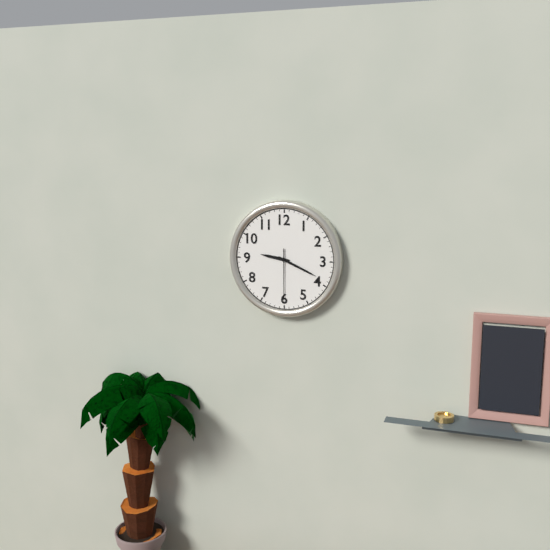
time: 9:19:30
